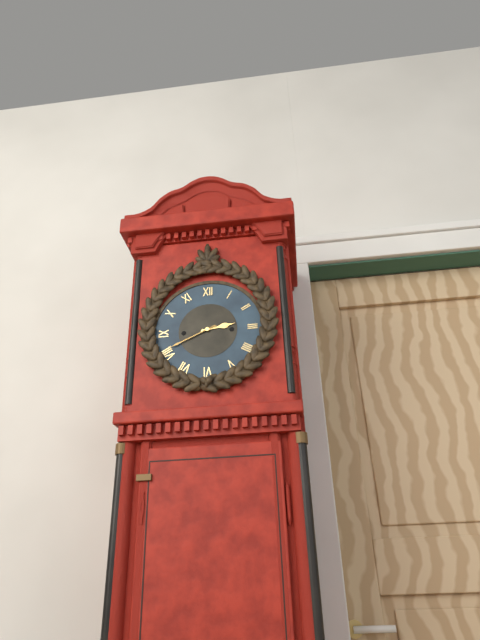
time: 2:41
